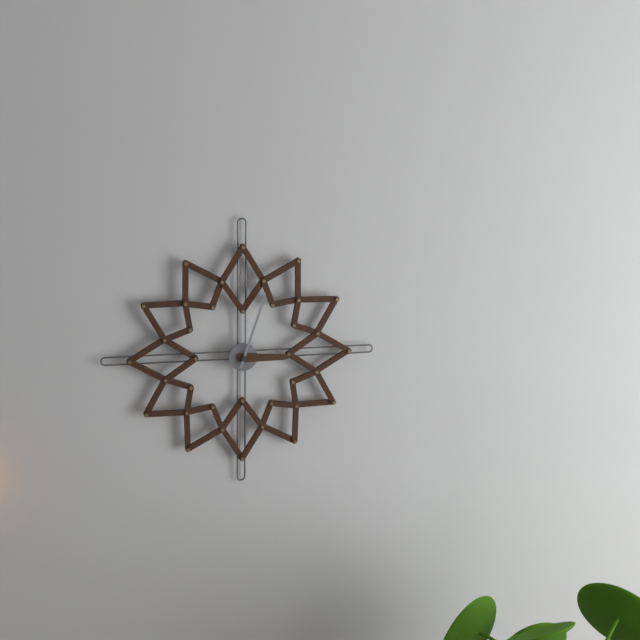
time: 3:03
